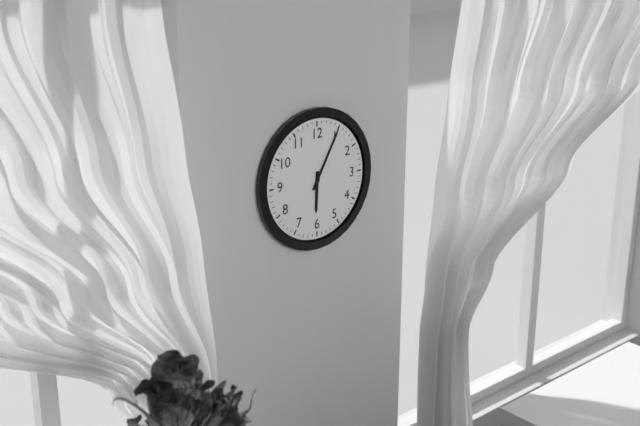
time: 6:05
